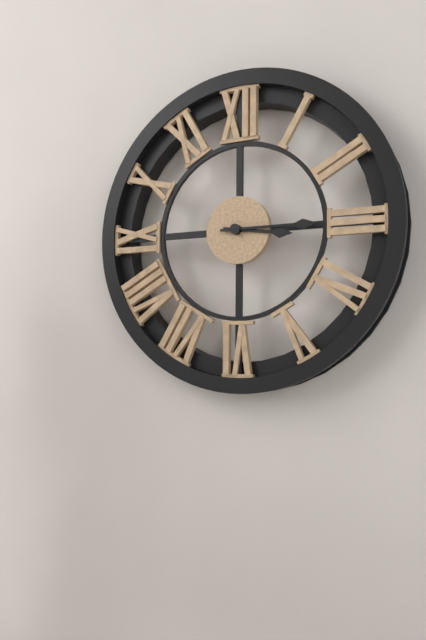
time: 3:15
